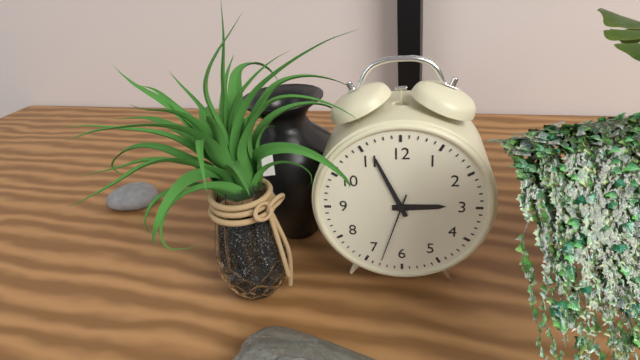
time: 2:56:33
